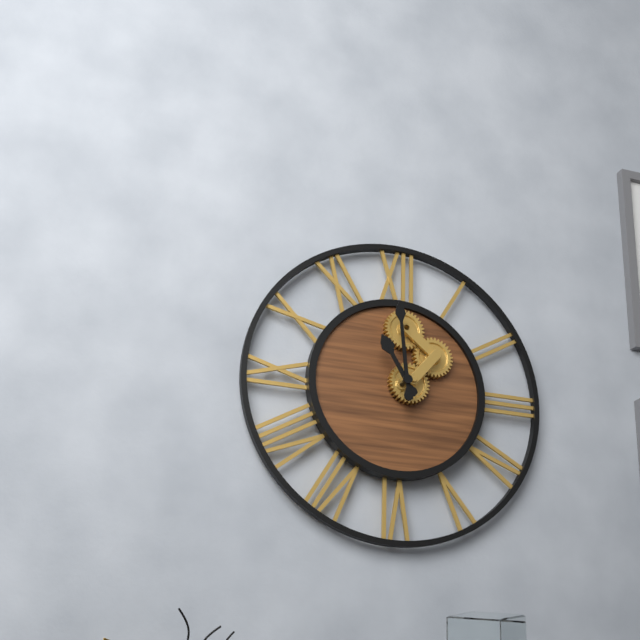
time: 10:59
